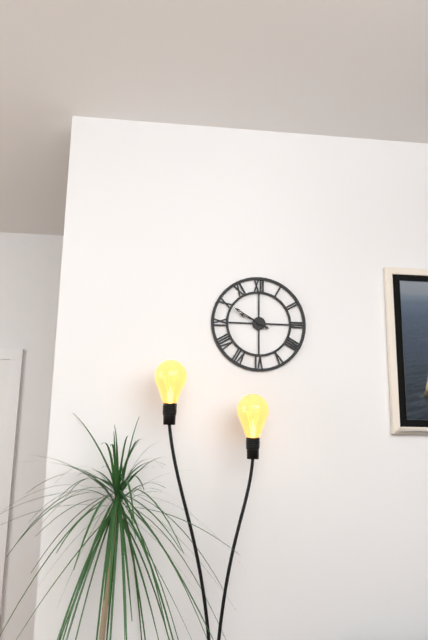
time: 9:50
